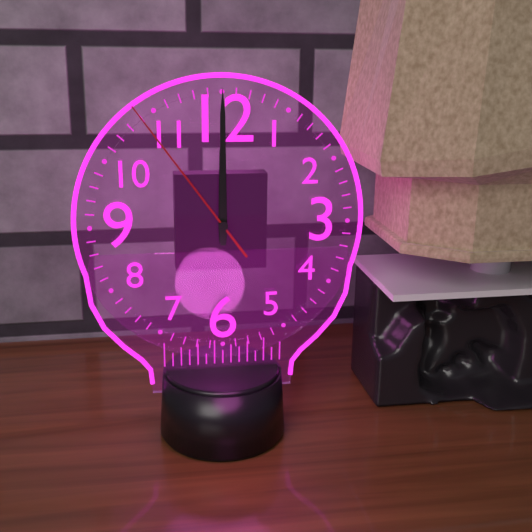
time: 12:00:54
